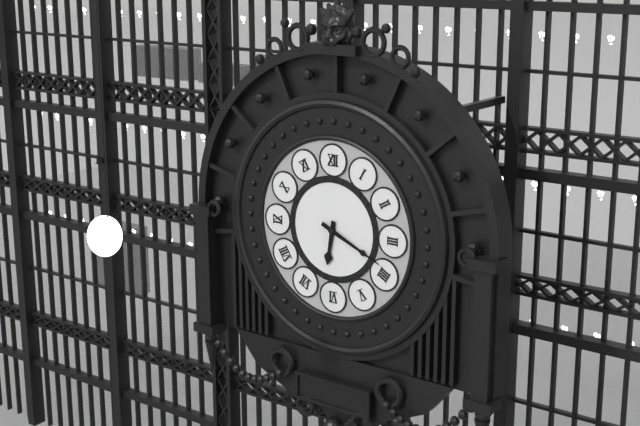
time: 6:19
